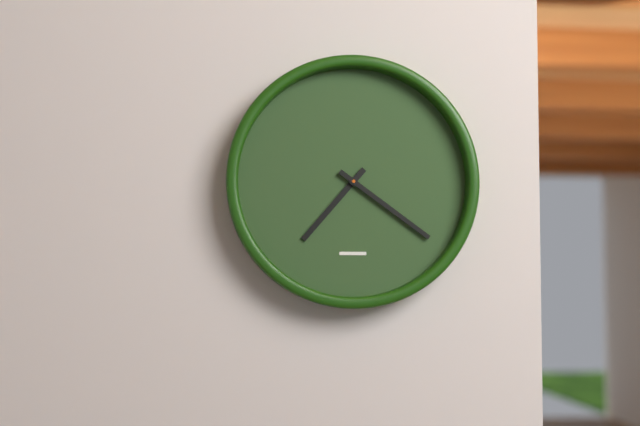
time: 7:21
